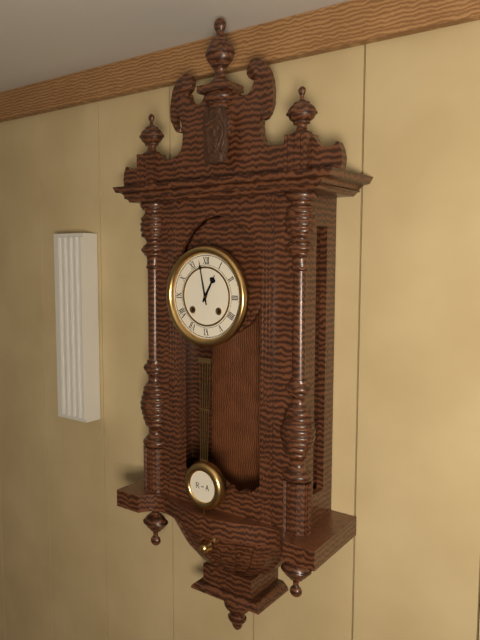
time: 12:58
